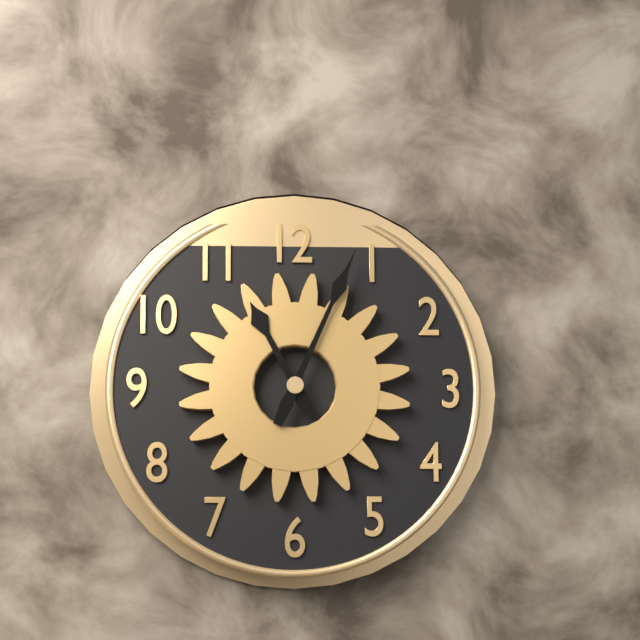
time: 11:04
